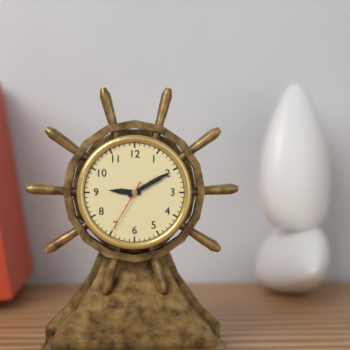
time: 9:10:35
